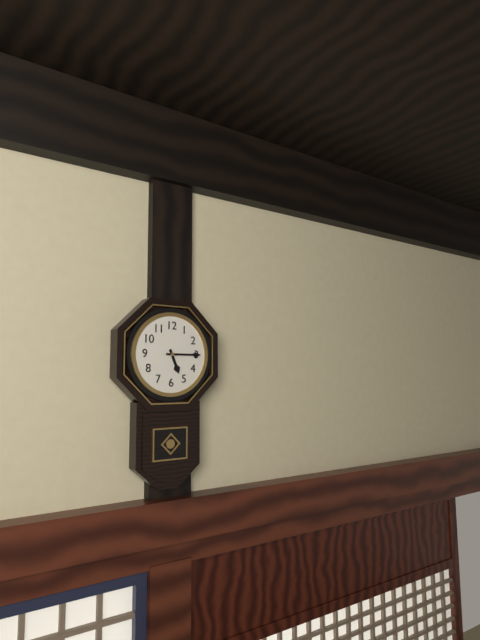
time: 5:15
